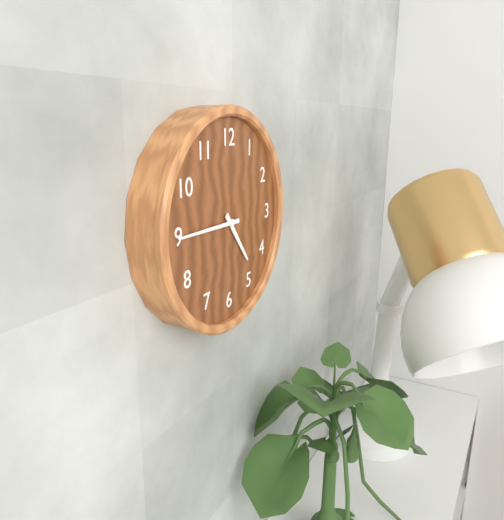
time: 4:45
